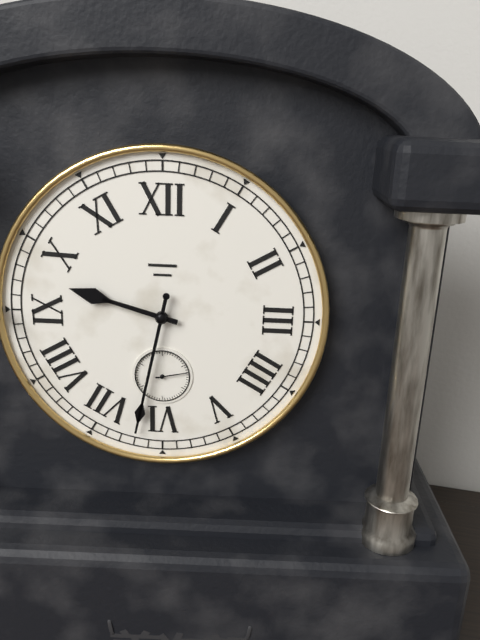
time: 9:32
